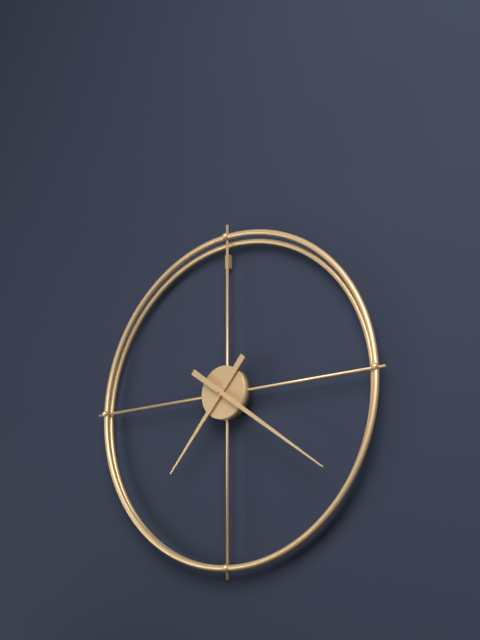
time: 7:21
